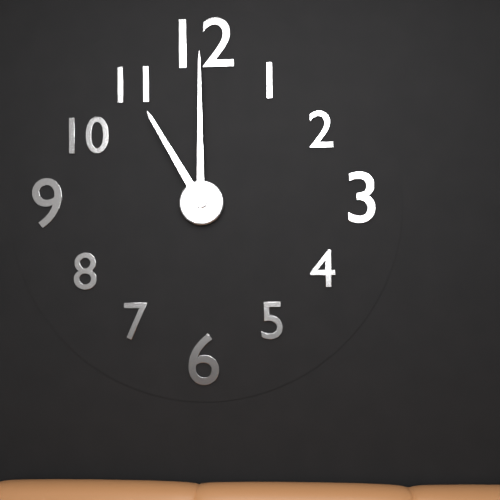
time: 11:00
